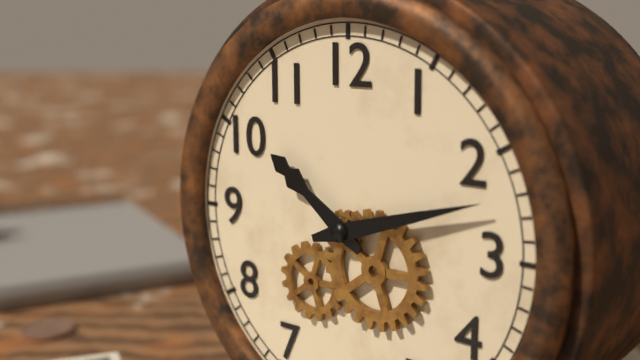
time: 10:12
